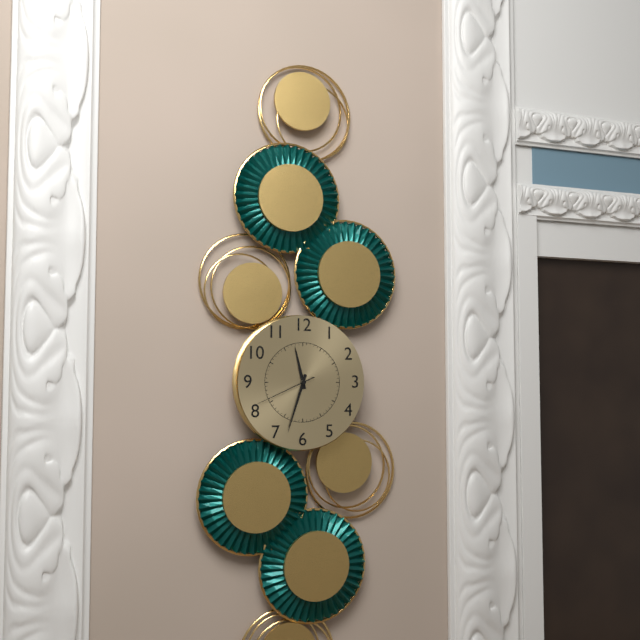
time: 11:33:41
